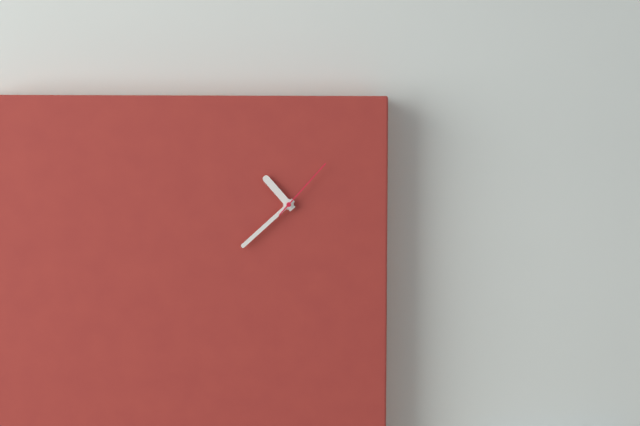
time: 10:38:07
